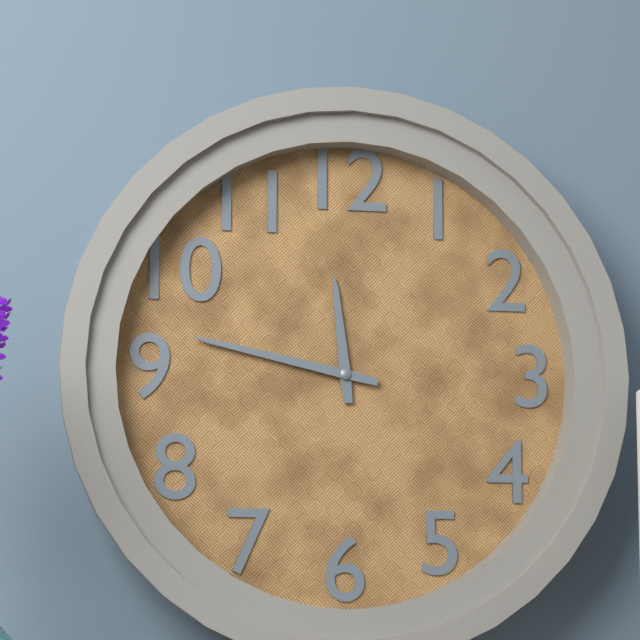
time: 11:47
